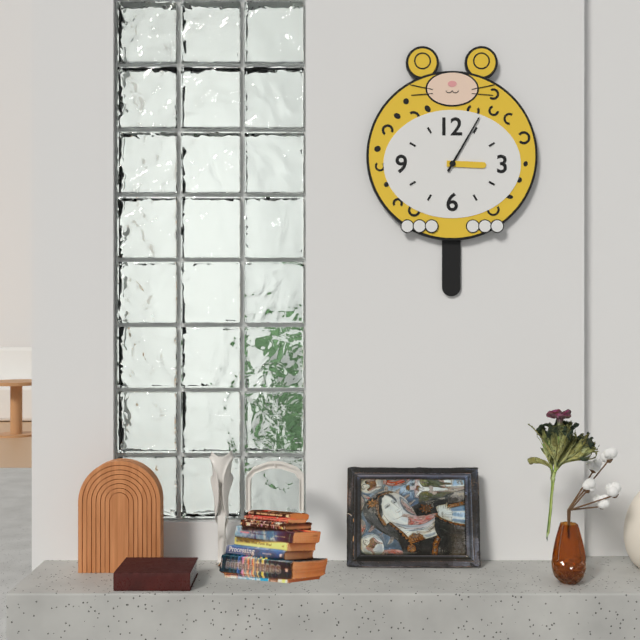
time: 3:05
